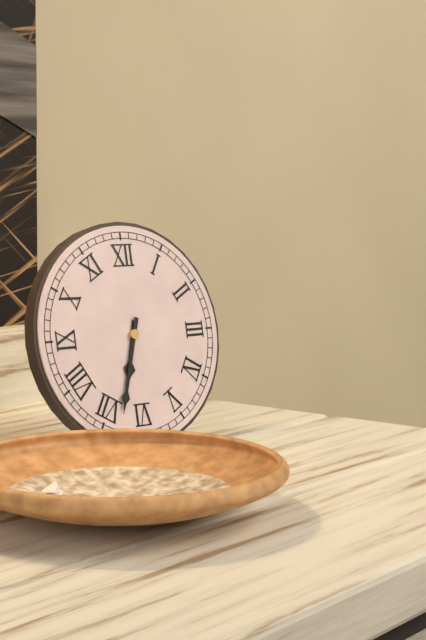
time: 6:33
